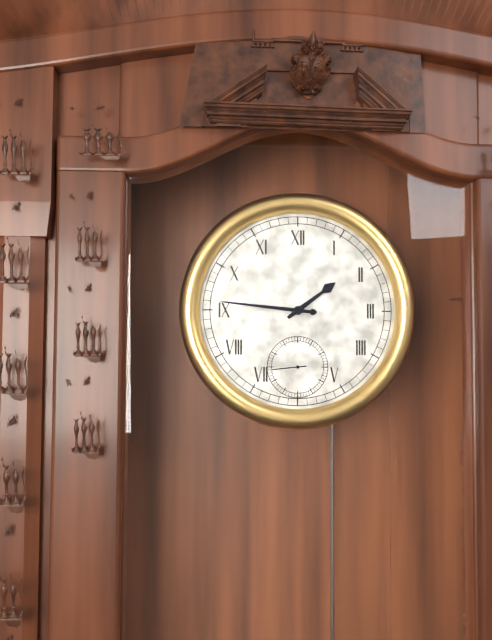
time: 1:46
